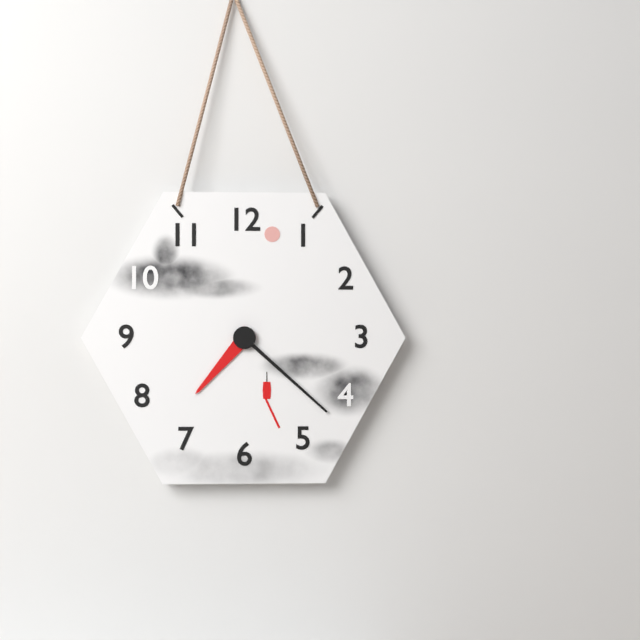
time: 7:22
